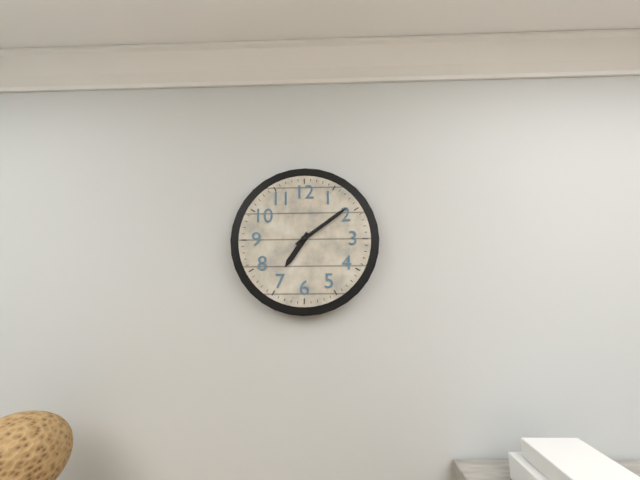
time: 7:09
